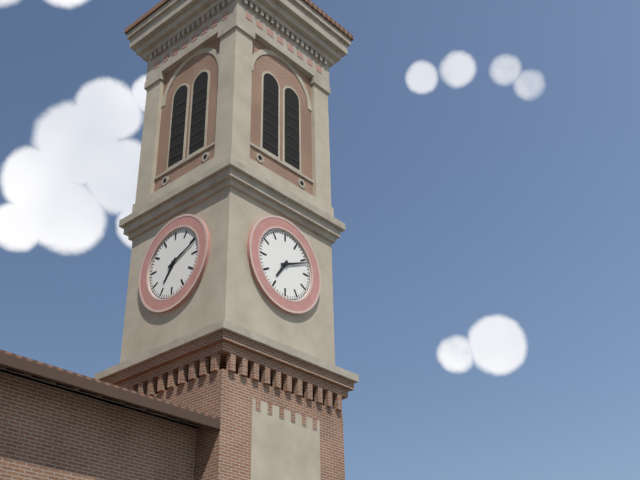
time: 7:11
